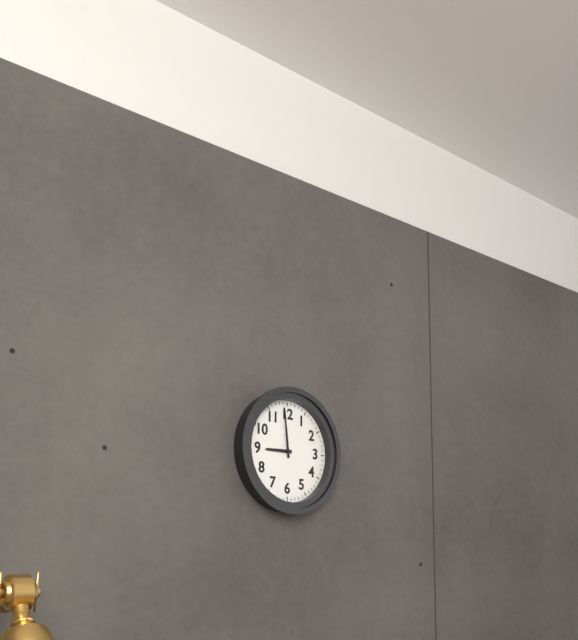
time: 8:59
